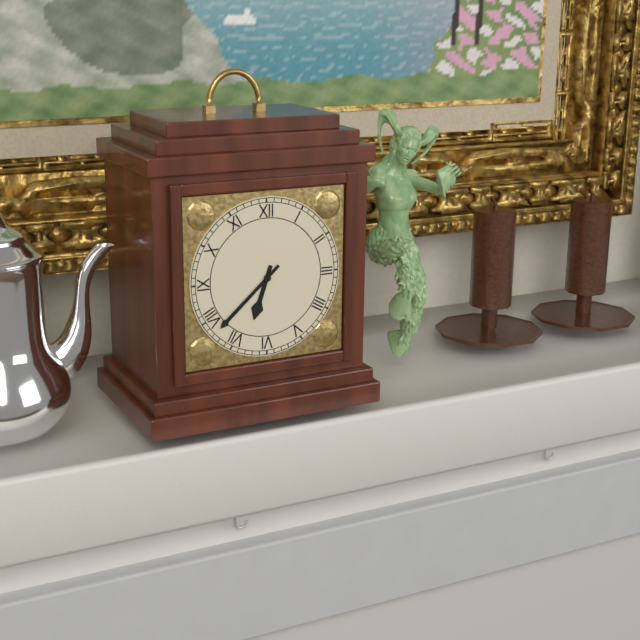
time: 6:38
